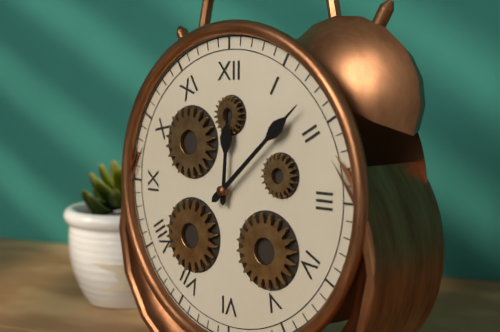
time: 12:08
